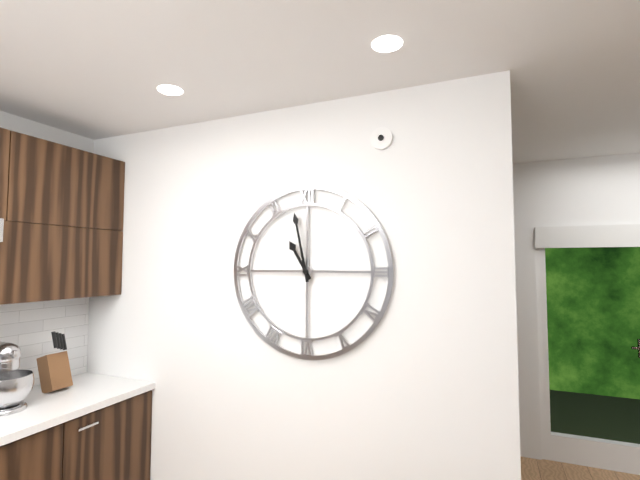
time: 10:58
